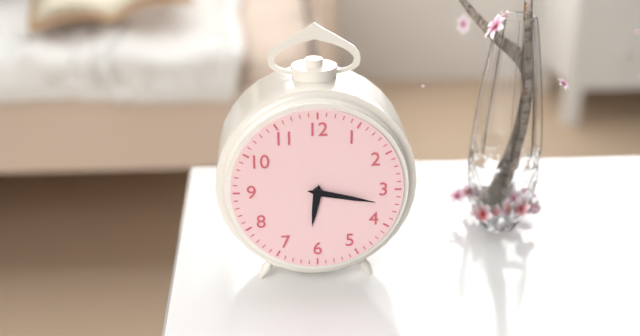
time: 6:17
